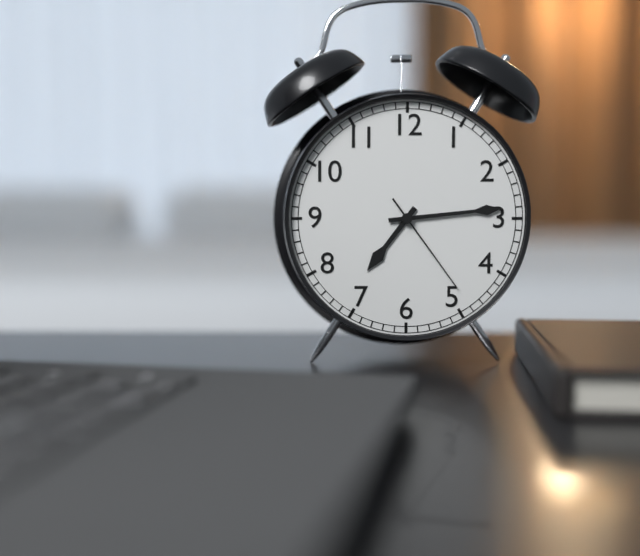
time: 7:14:24
